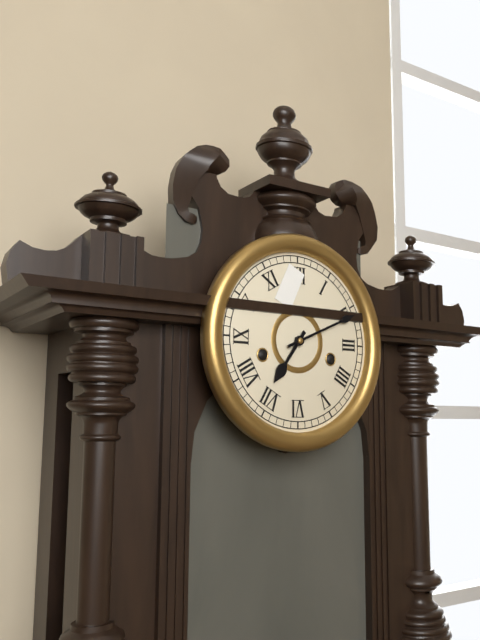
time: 7:11
